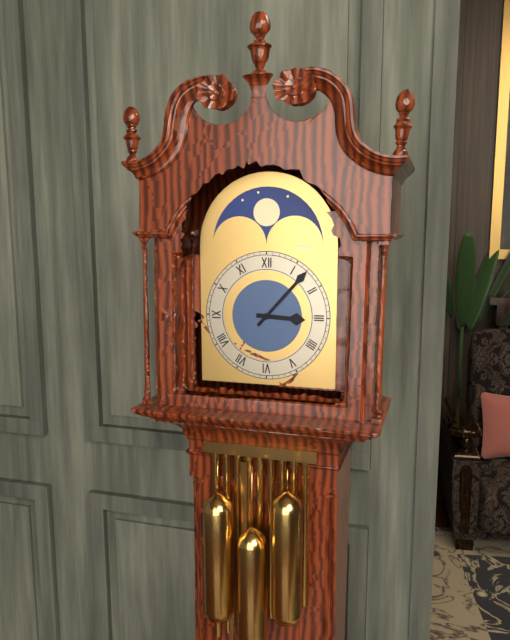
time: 3:07
